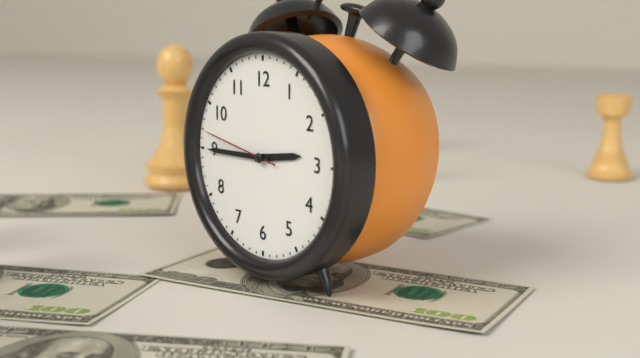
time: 2:45:47
